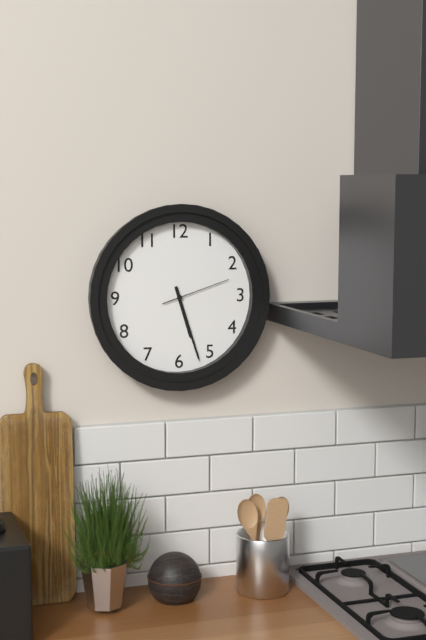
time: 5:27:12
